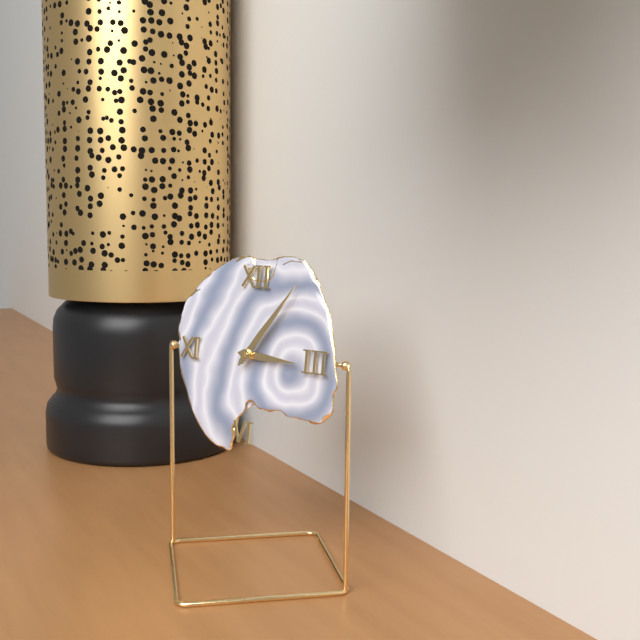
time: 3:06
